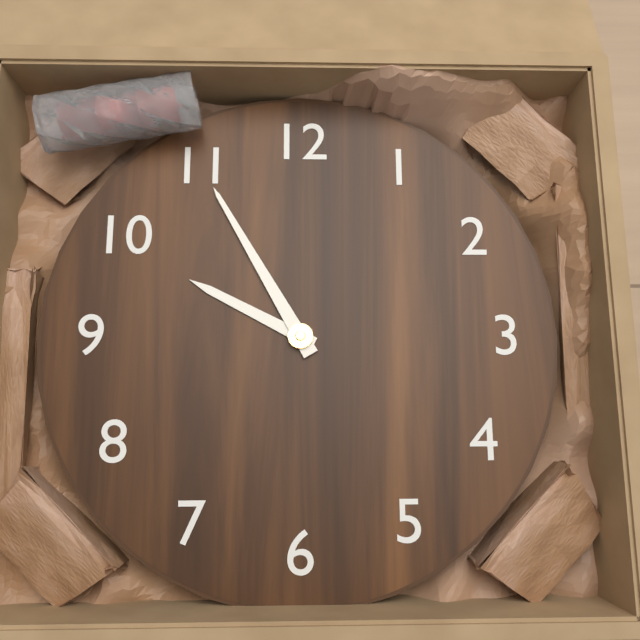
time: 9:55
